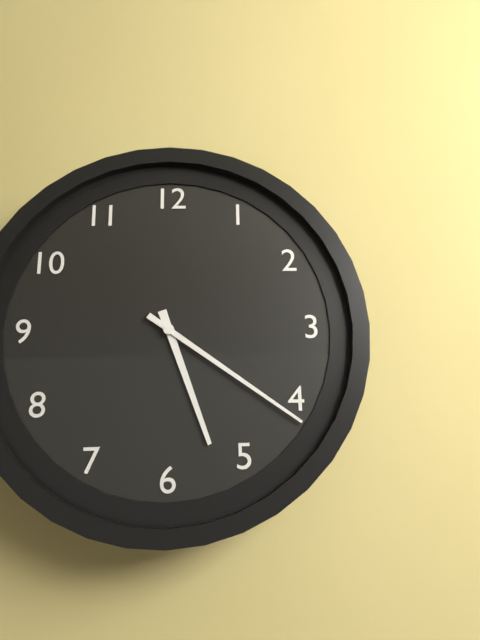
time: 5:21
